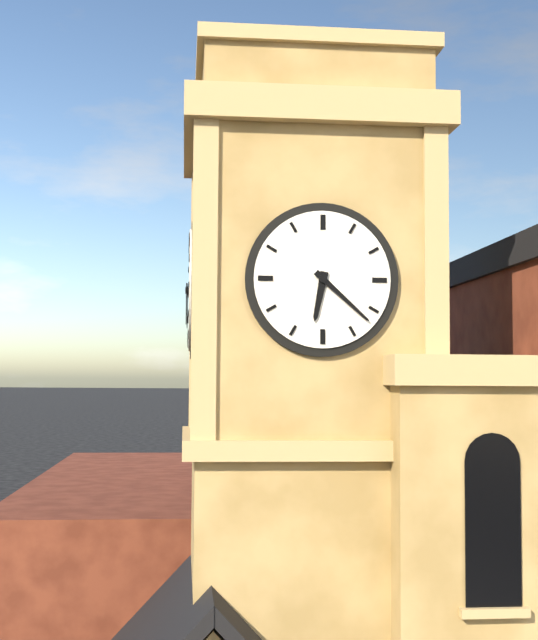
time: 6:22
